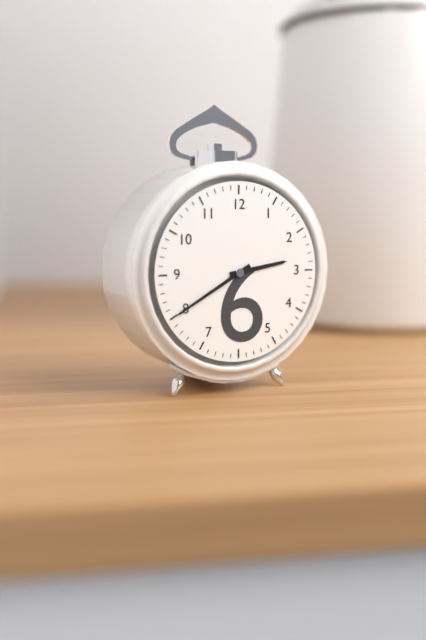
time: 2:40
